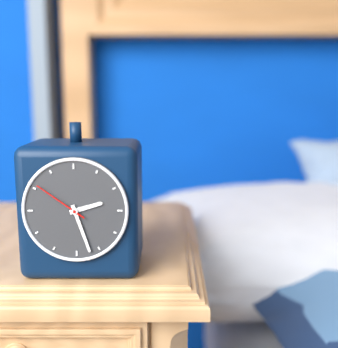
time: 2:27:51
